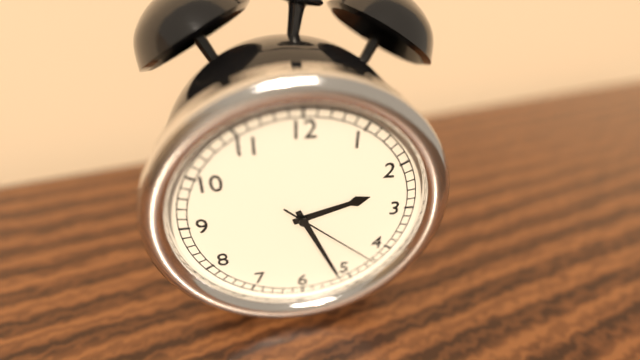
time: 2:26:22
